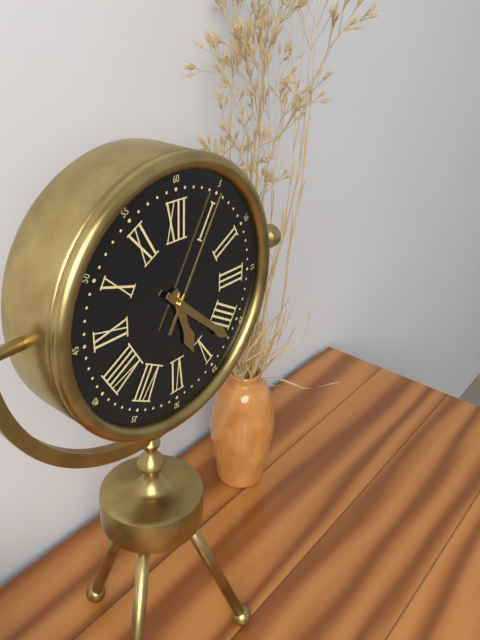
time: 5:22:05
